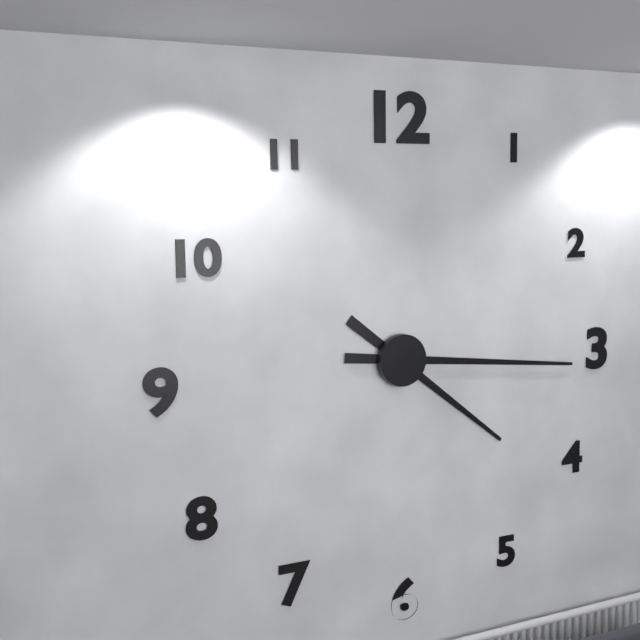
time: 4:16
